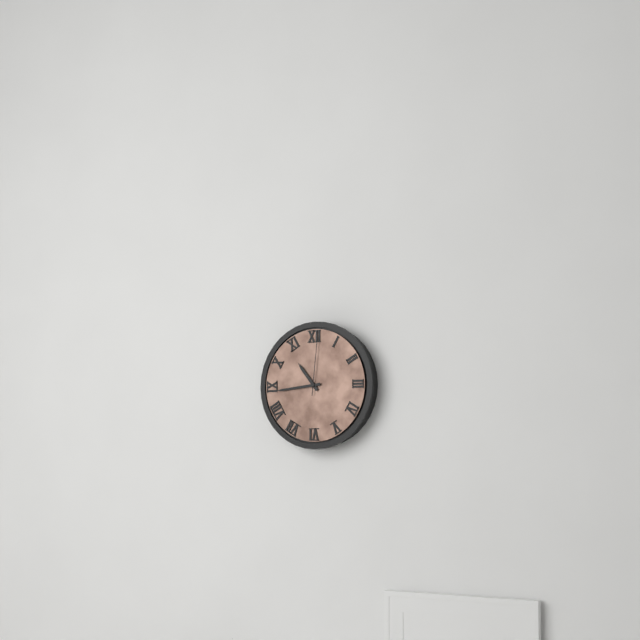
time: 10:44:01
